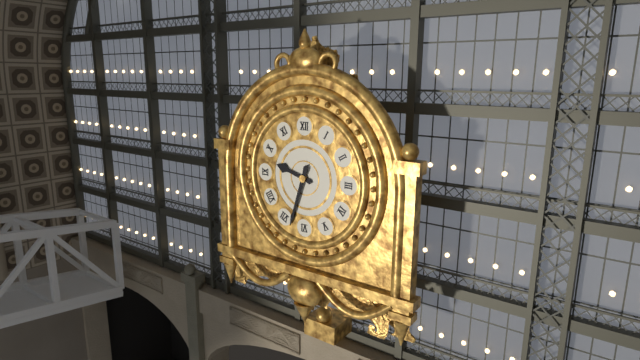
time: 9:33
